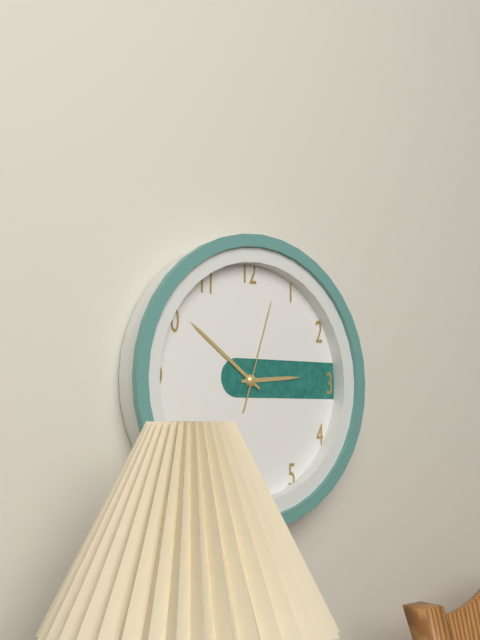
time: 2:51:03
